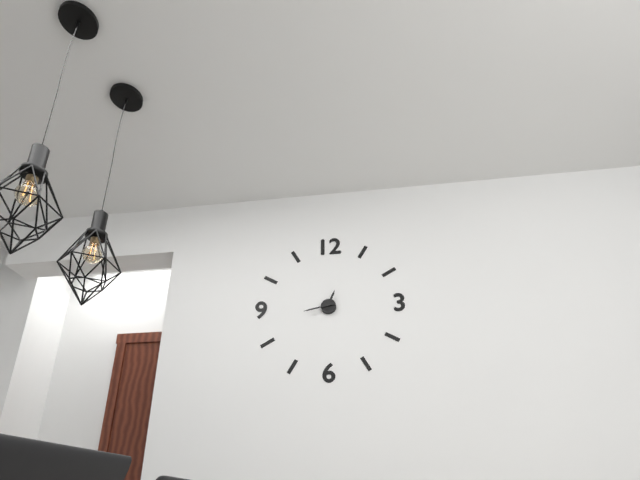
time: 12:43
